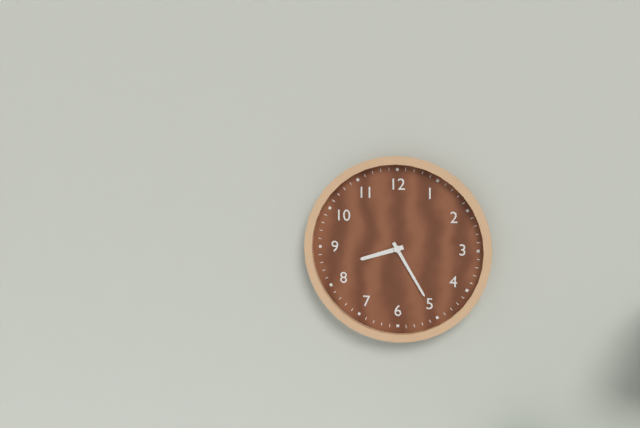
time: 8:25
